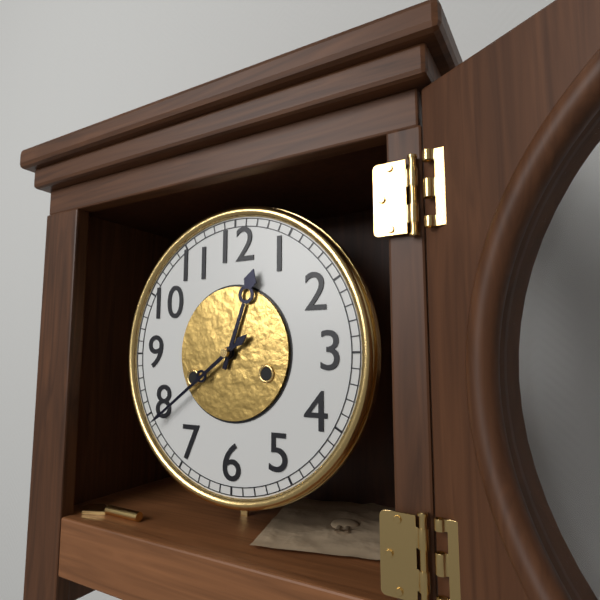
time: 12:39
